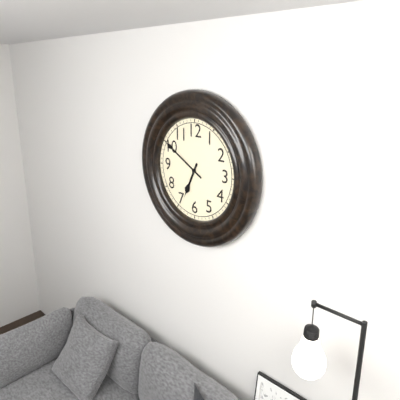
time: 6:50
